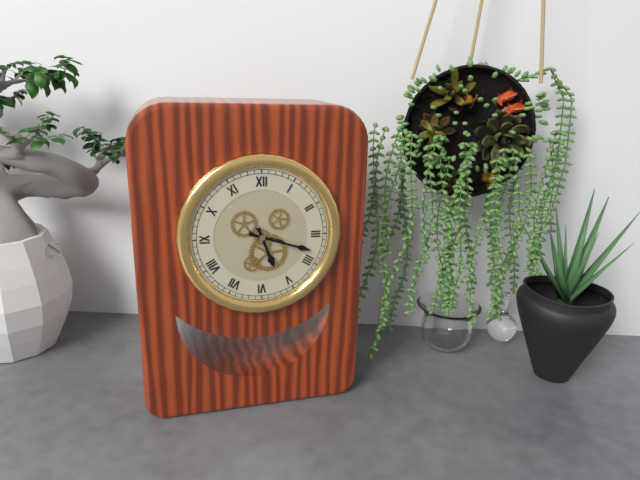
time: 5:18
